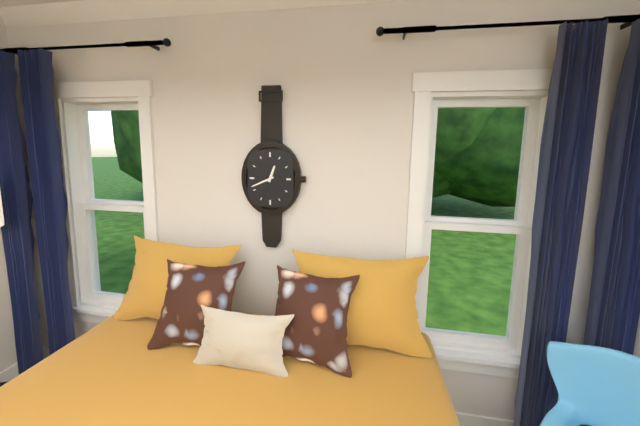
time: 12:41
